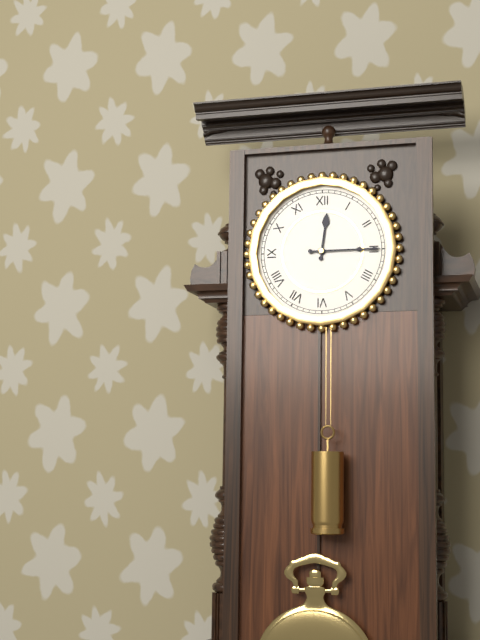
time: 12:15
